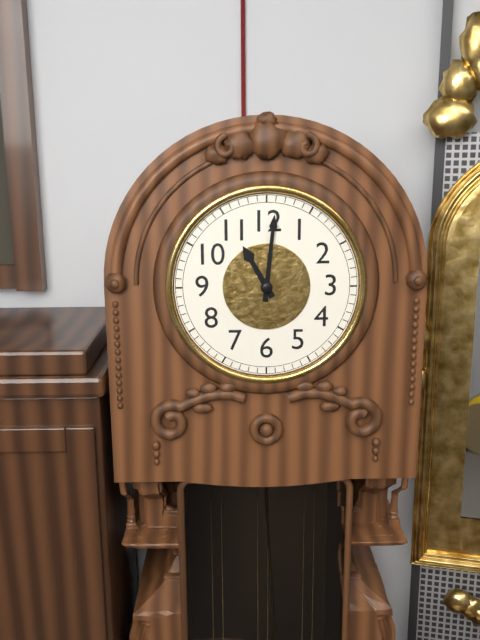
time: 11:01
